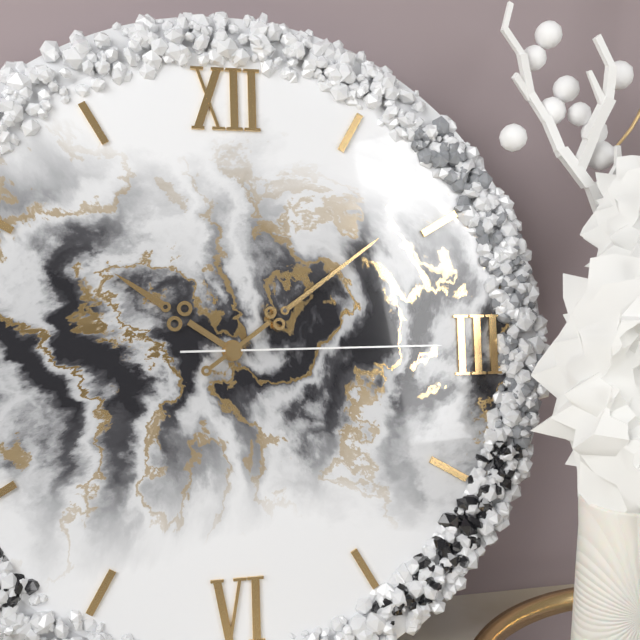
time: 10:09:15
